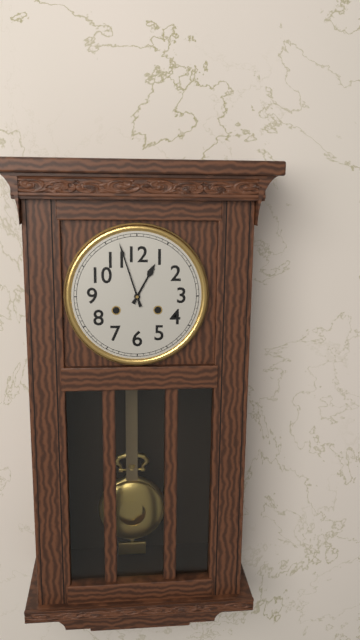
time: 12:57
